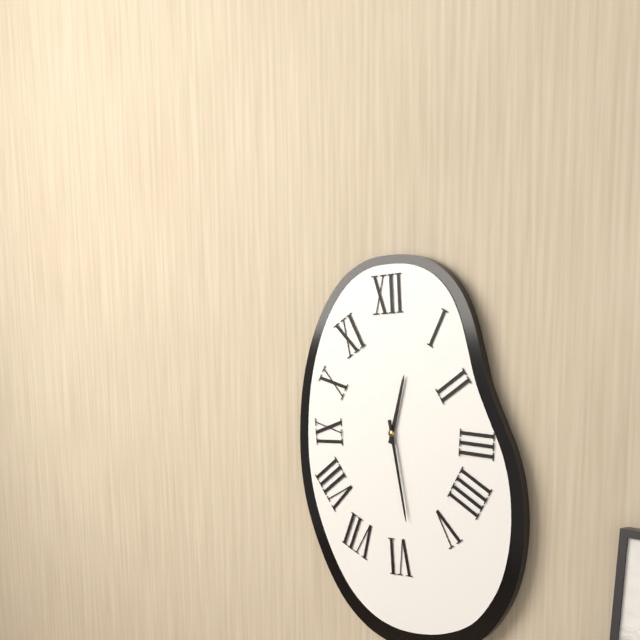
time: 12:28
